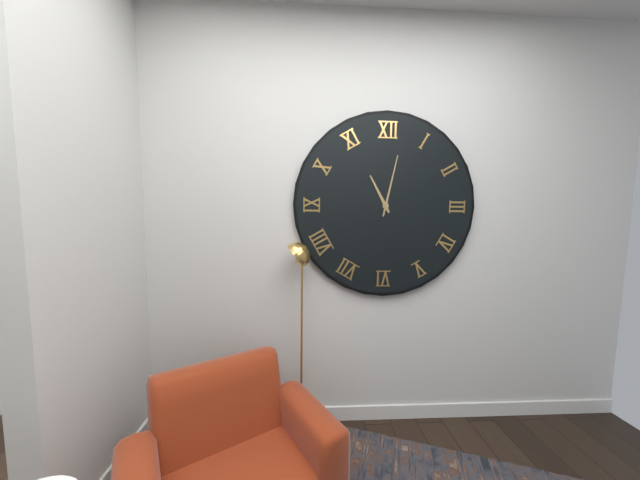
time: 11:02
